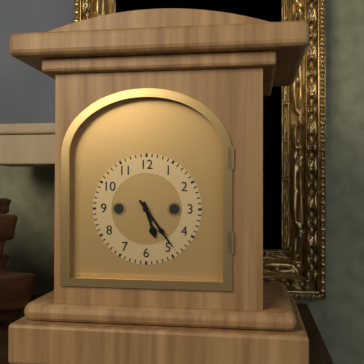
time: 5:24
